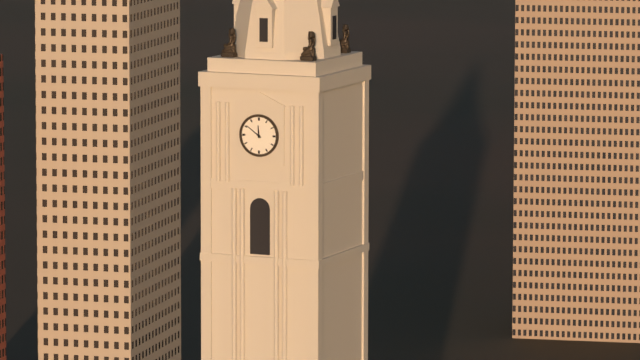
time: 11:51
